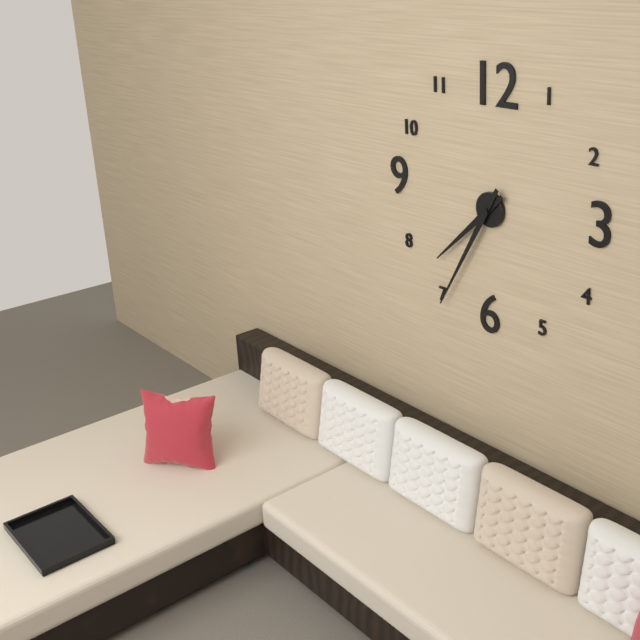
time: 7:35
